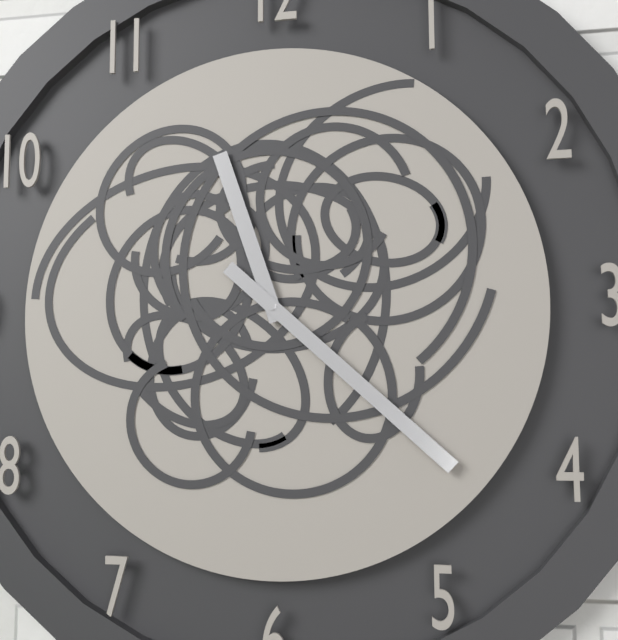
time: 11:22
